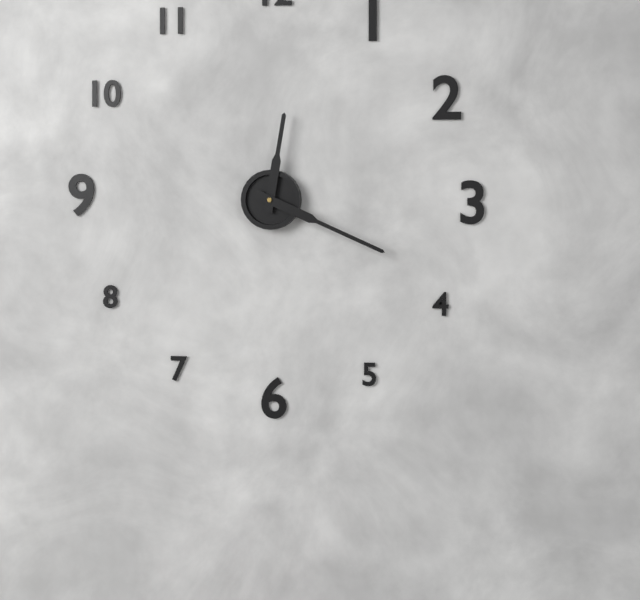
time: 12:19
